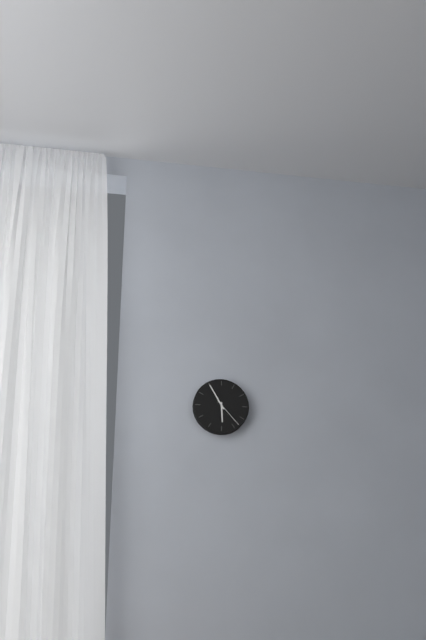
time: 5:55
